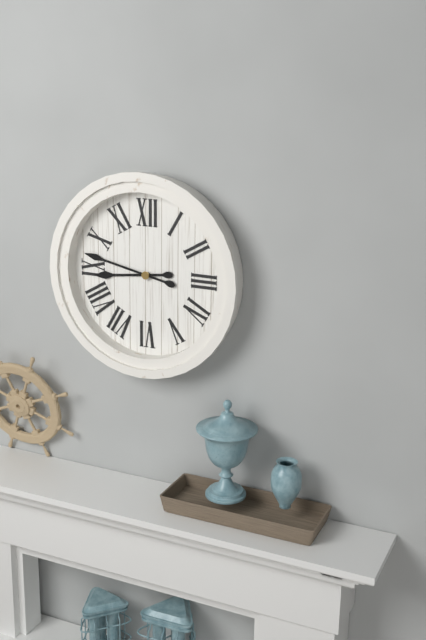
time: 8:47
